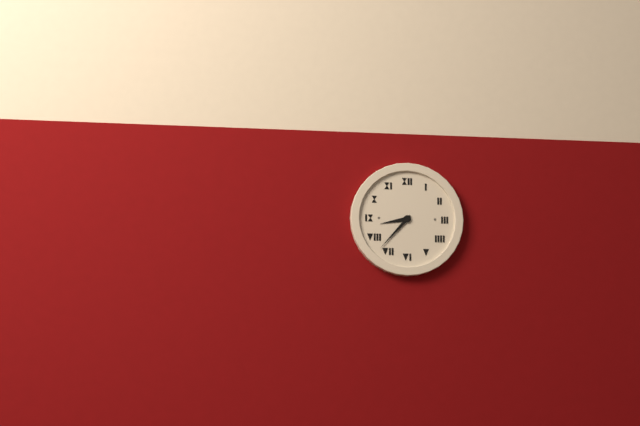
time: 8:37
